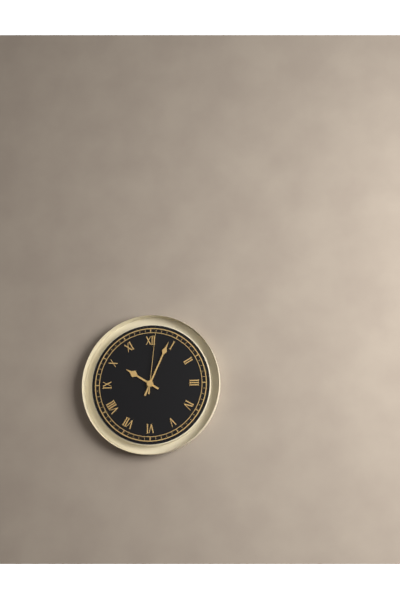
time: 10:04:01
